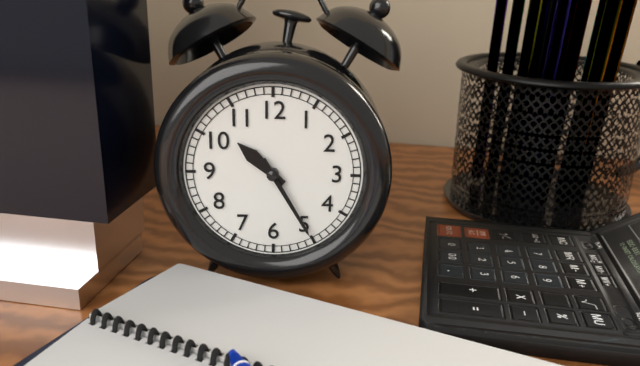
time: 10:25
